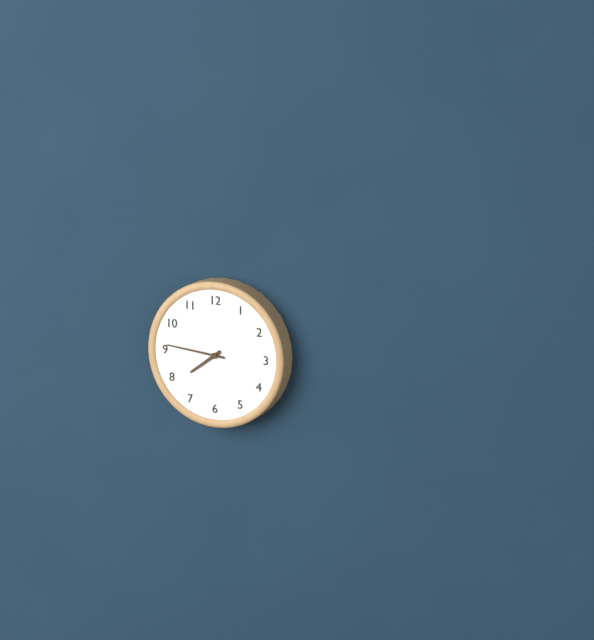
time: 7:46
